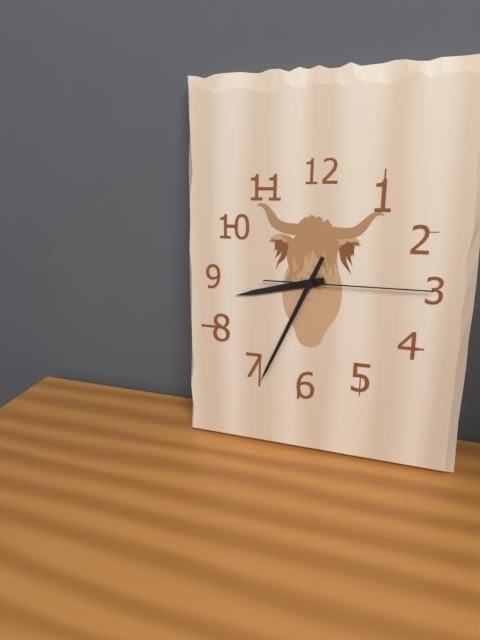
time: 8:34:15
